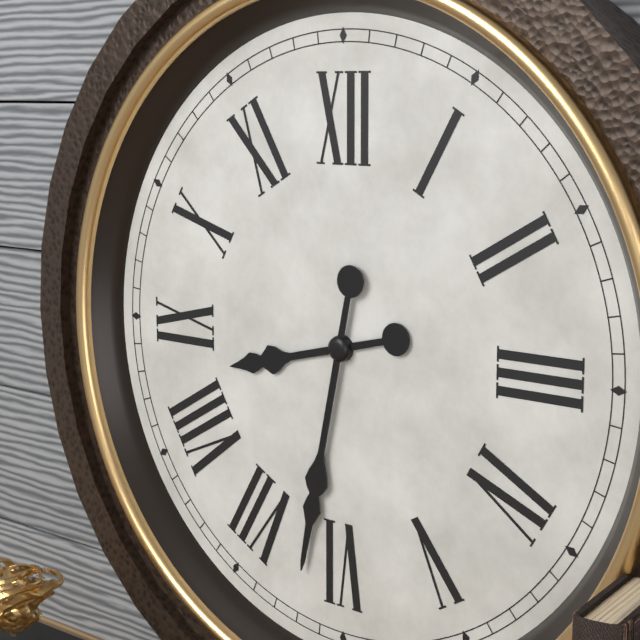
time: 8:32
